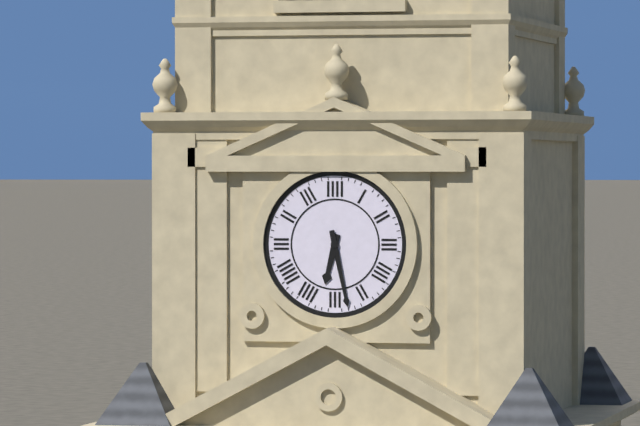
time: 6:28
